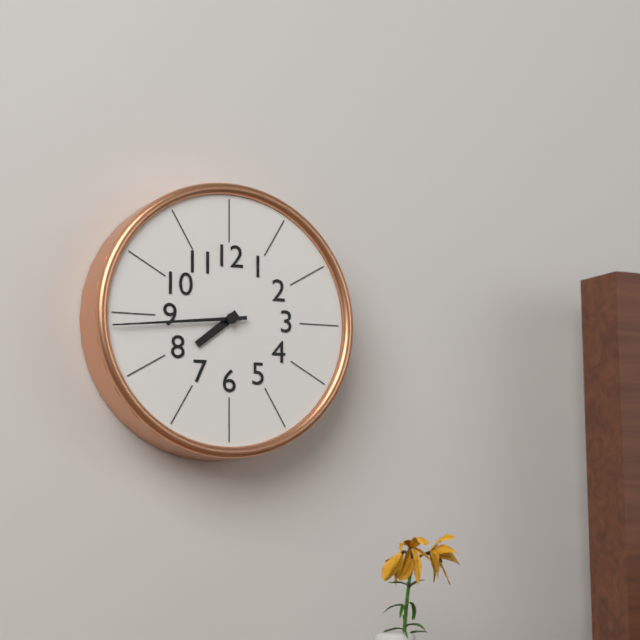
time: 7:44
